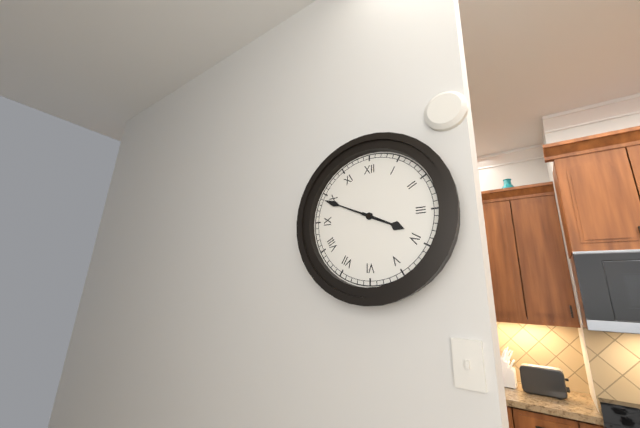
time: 3:49
